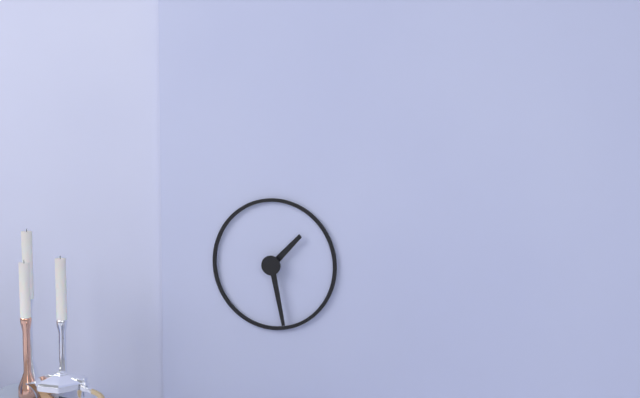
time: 1:28
